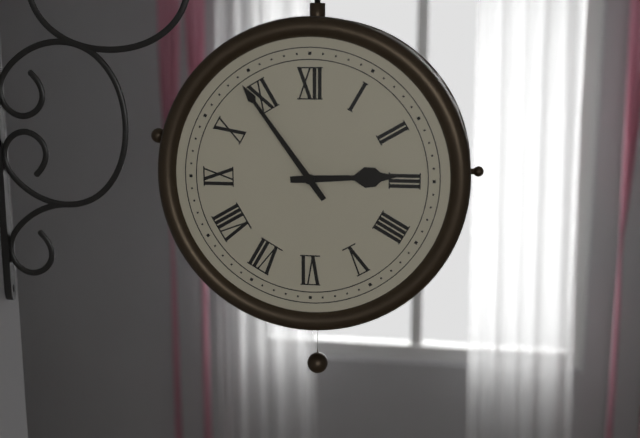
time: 2:54
